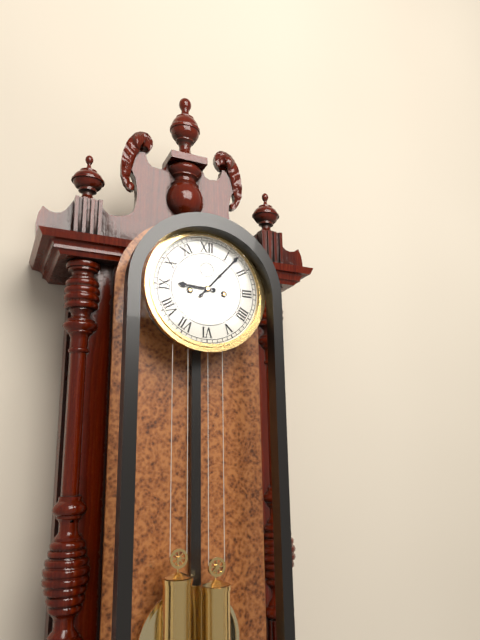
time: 9:07
